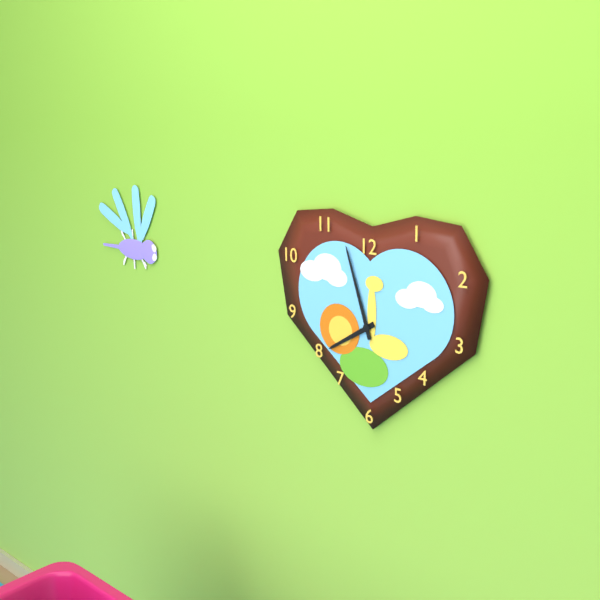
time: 7:57
